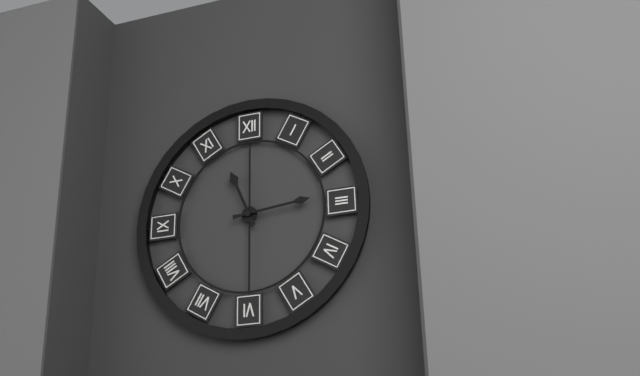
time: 11:14
